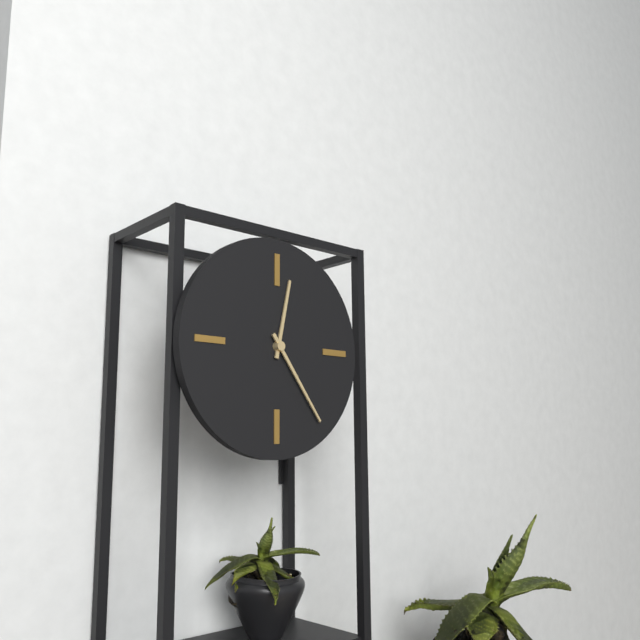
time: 12:24
